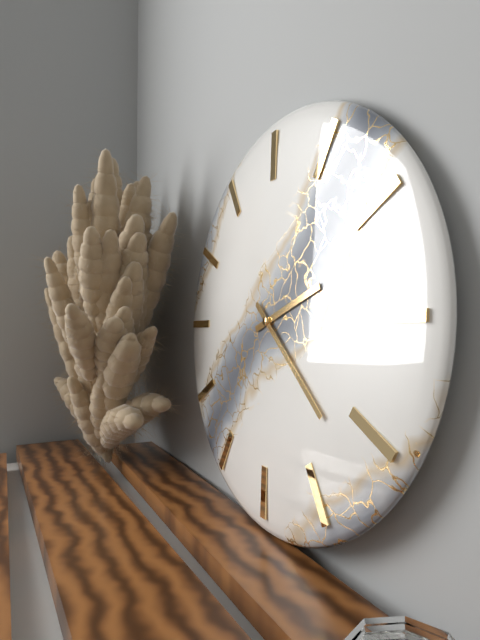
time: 2:22
